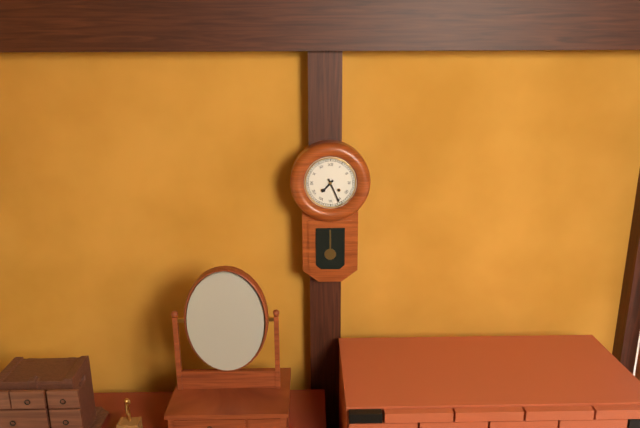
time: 7:26
